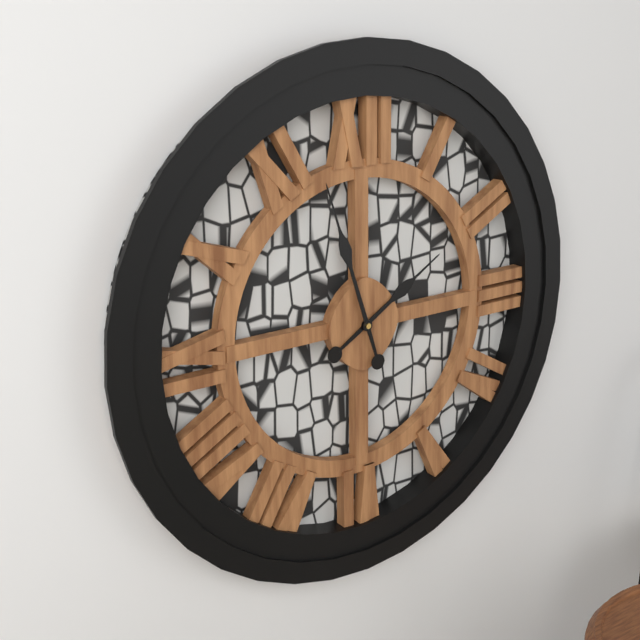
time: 1:57
